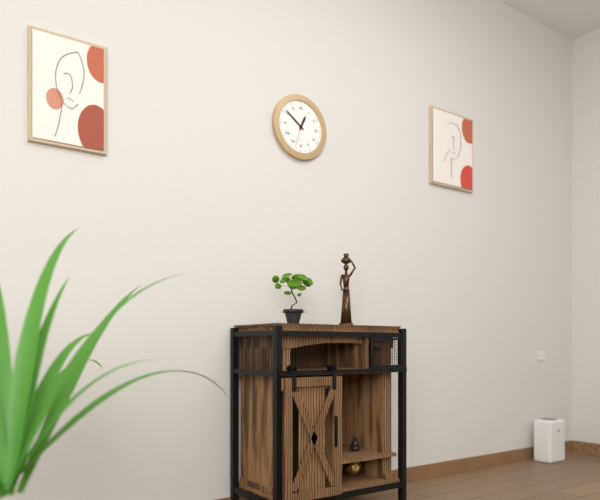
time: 12:51
